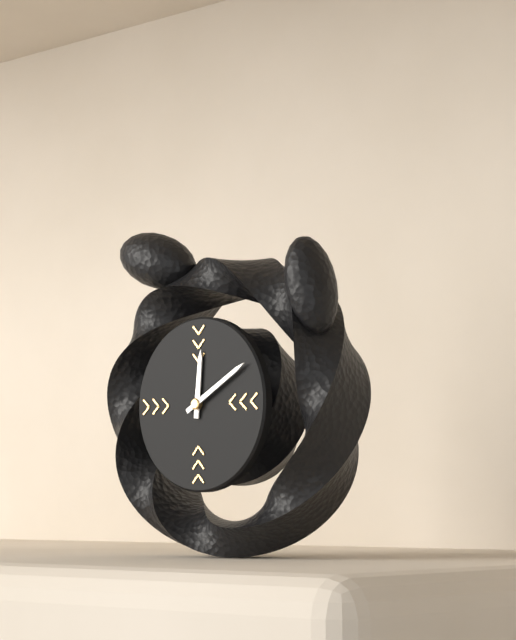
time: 12:10
